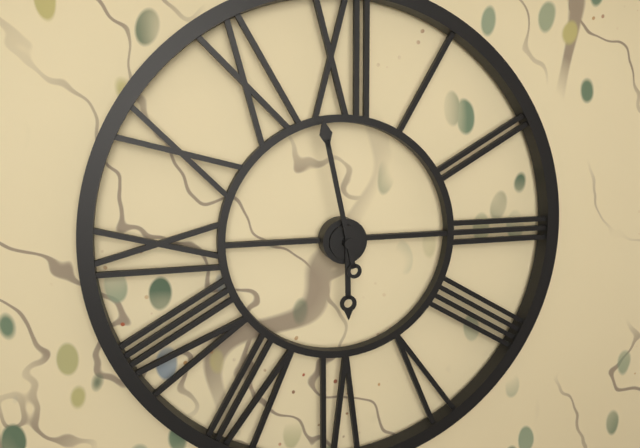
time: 5:58
